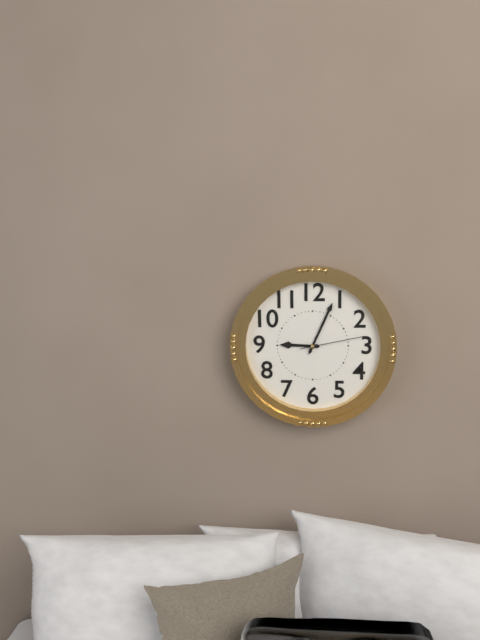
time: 9:04:13
